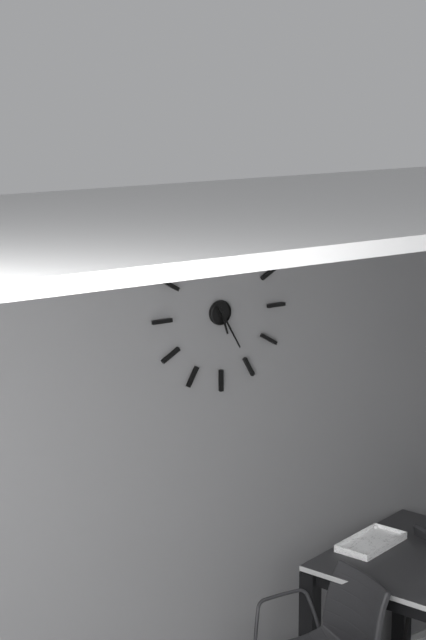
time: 5:25
